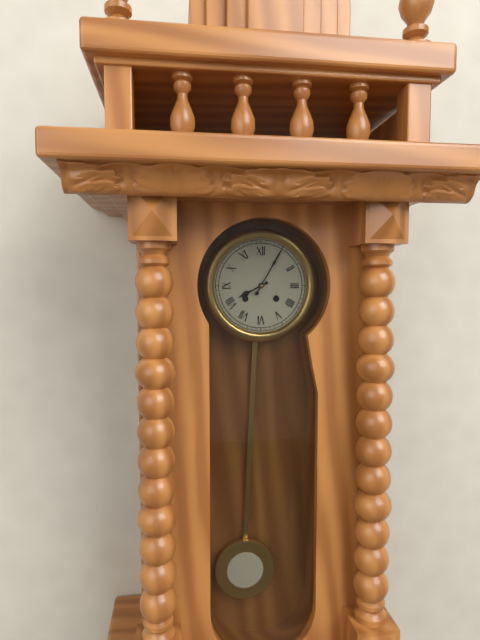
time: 8:05
